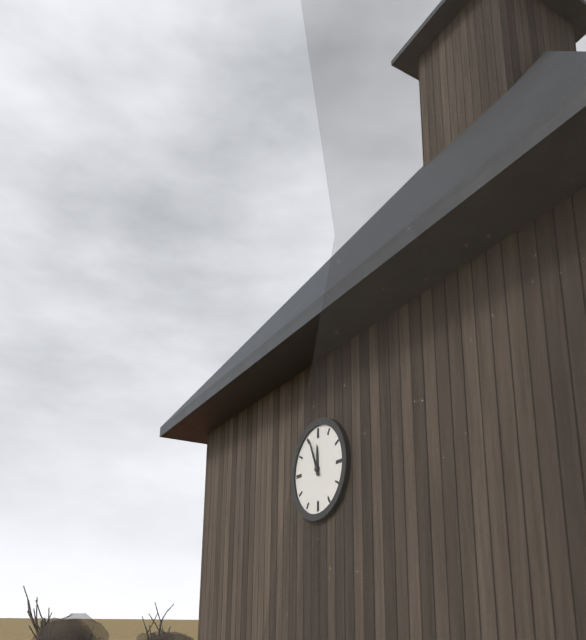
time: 11:56
